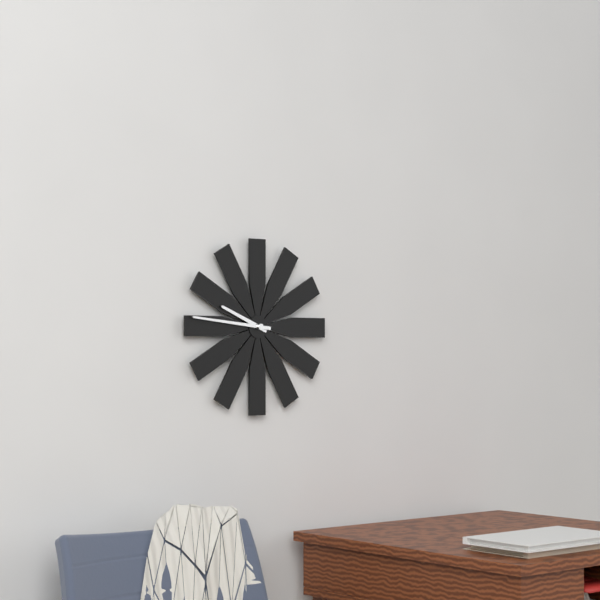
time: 9:46
